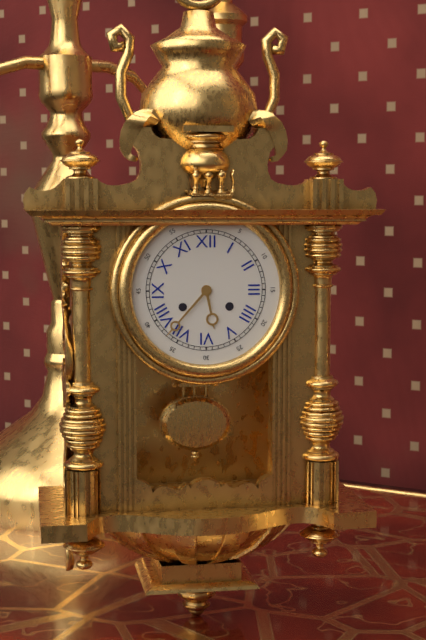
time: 5:37
